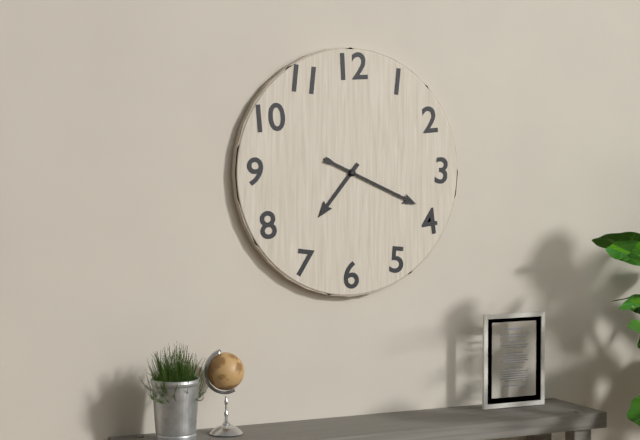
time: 7:19
